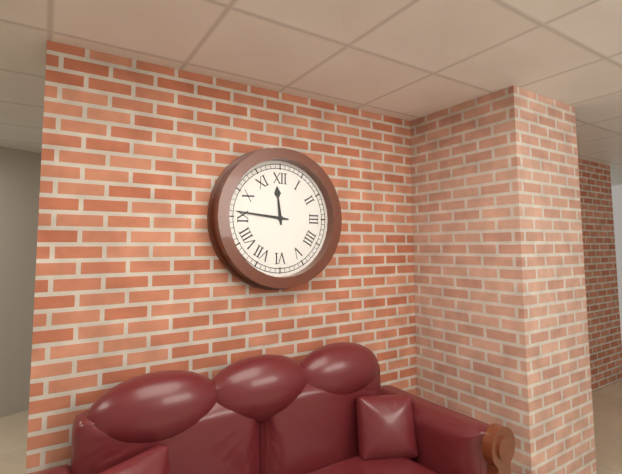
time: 11:46
